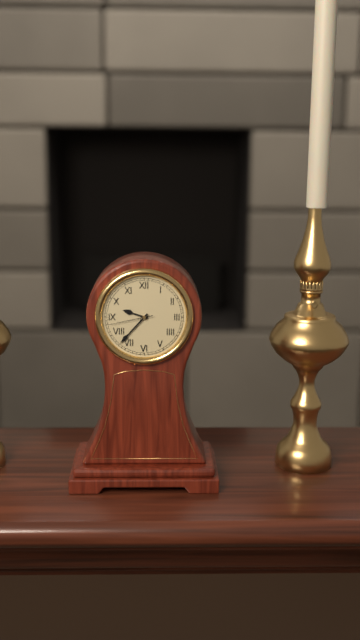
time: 9:37
